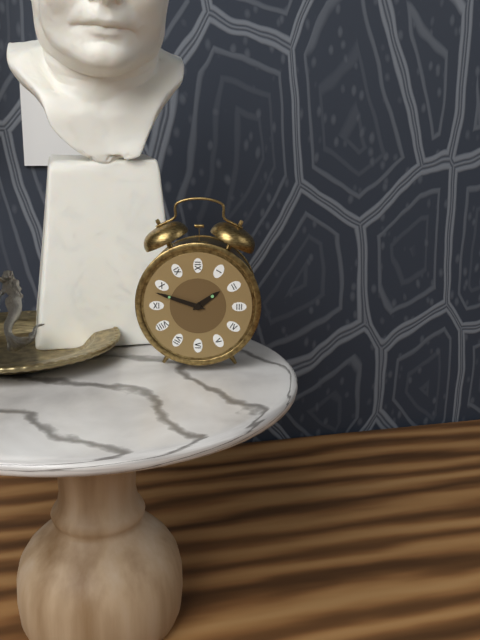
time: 1:48
